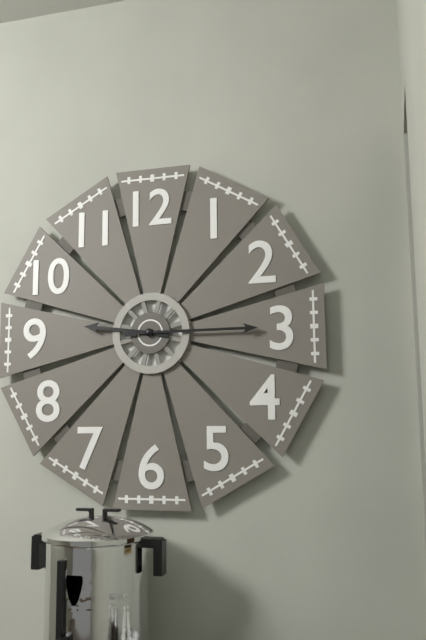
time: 9:15
